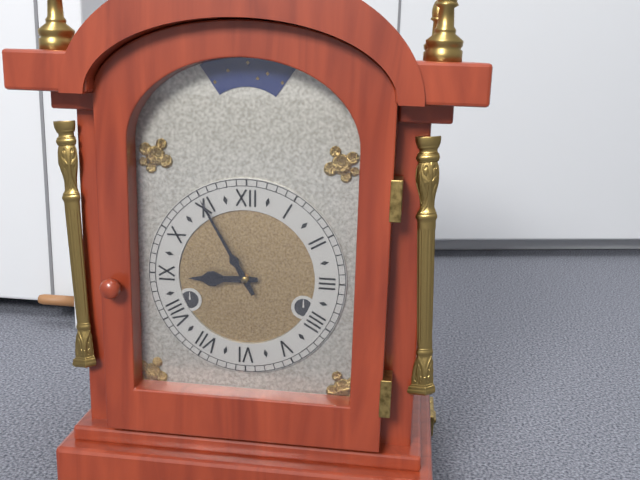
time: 8:55
